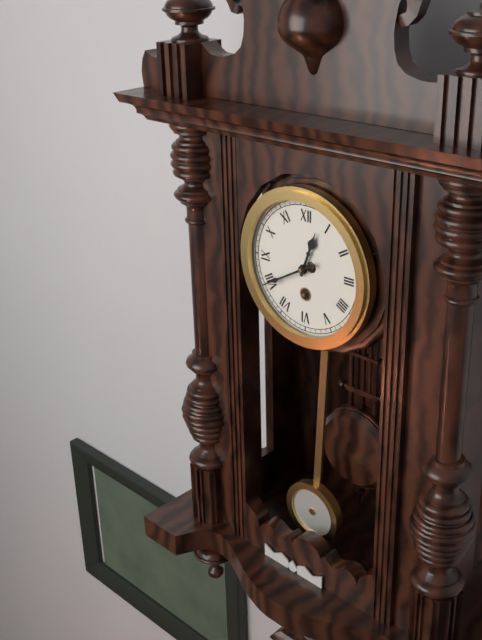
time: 12:40
